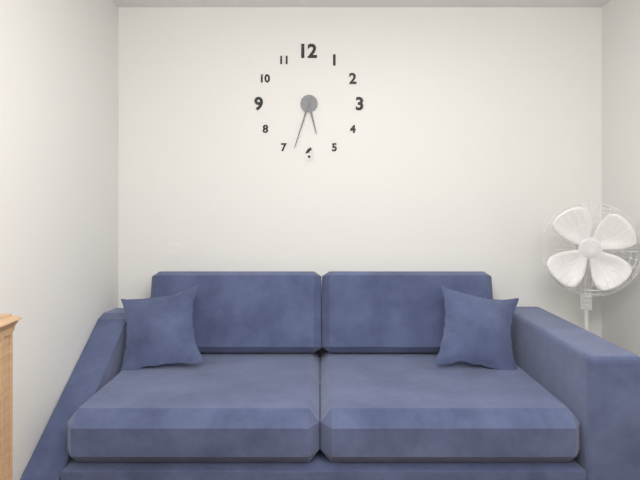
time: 5:33
